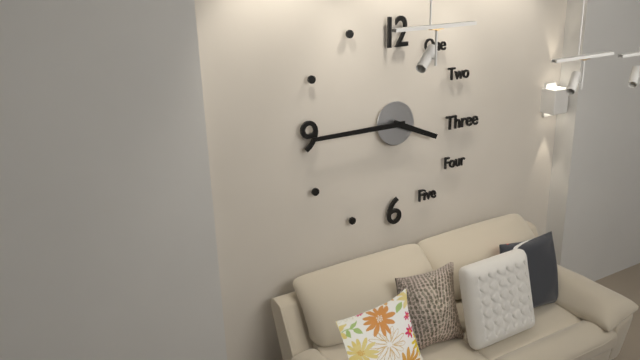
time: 3:45
